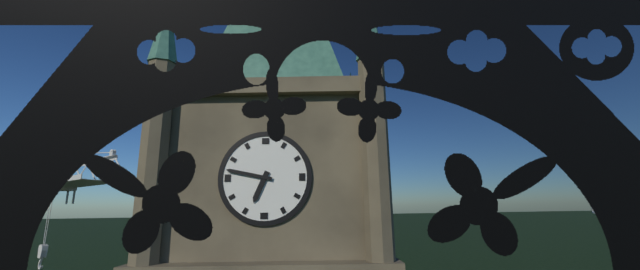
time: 6:47
